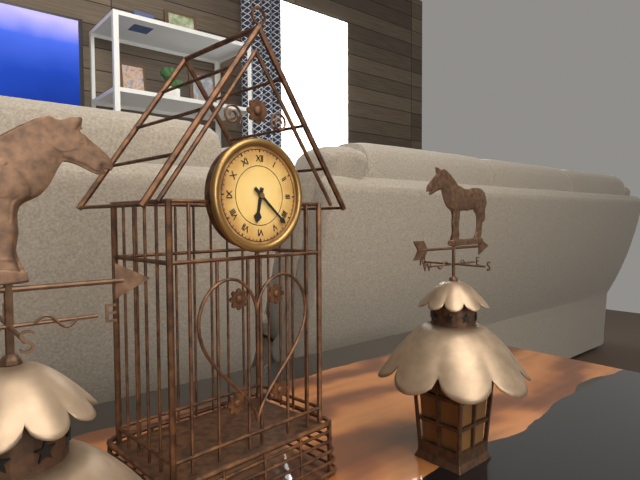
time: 6:22
